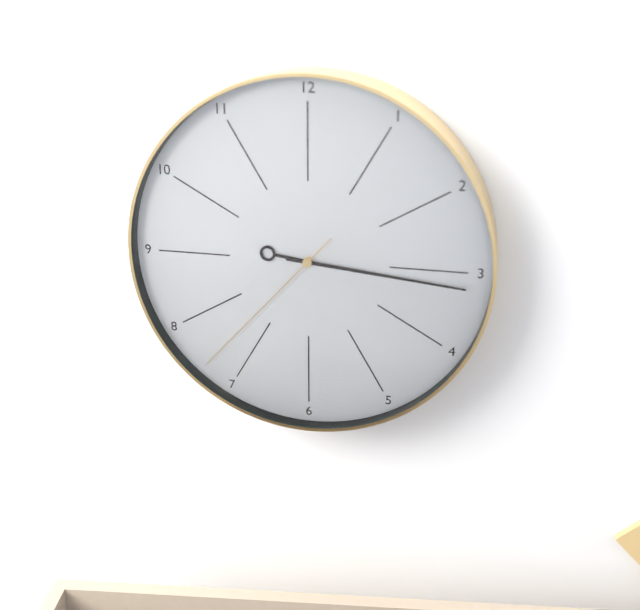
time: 9:16:37
